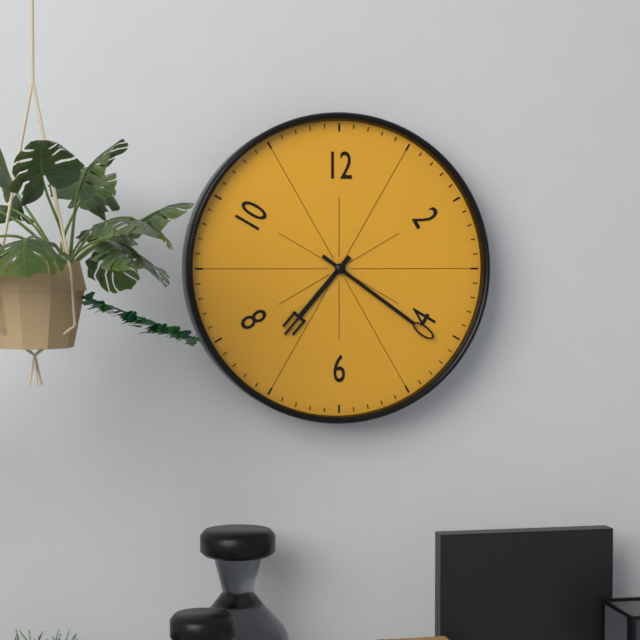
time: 7:21
